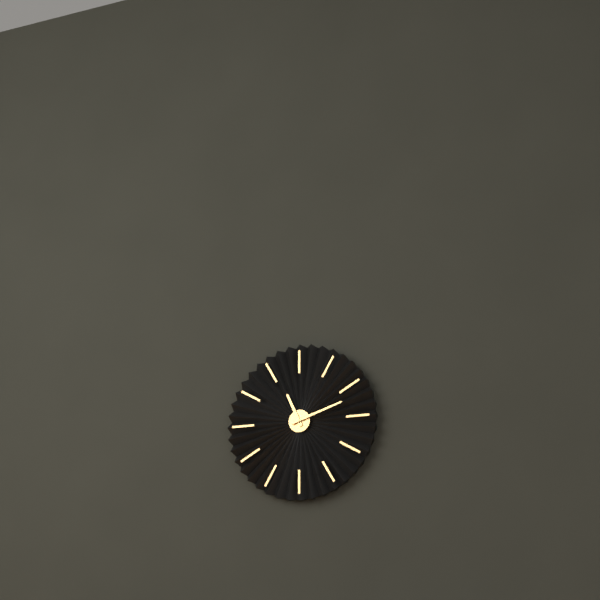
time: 11:12
